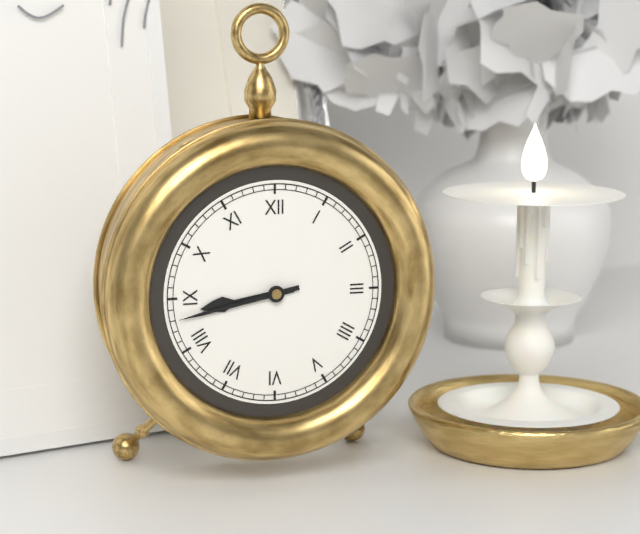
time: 8:43
